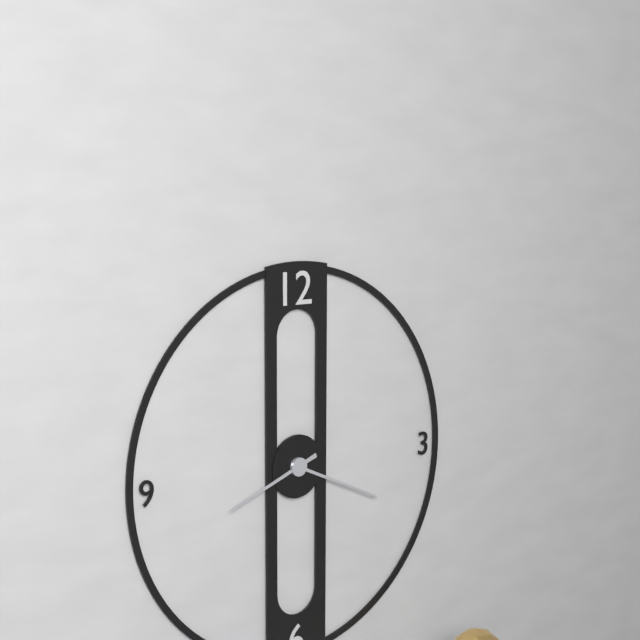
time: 8:19
